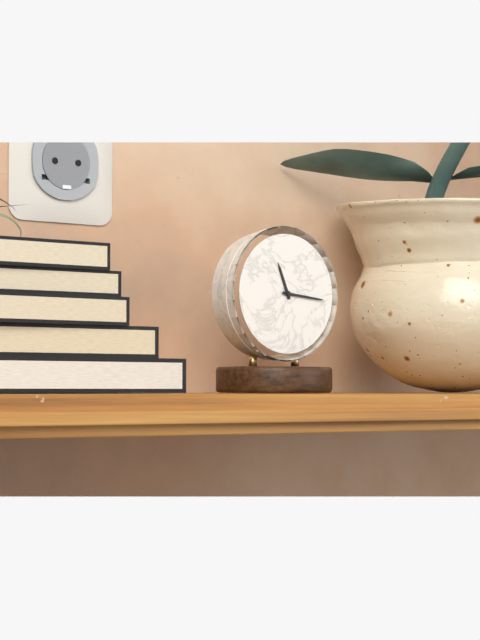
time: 11:16
